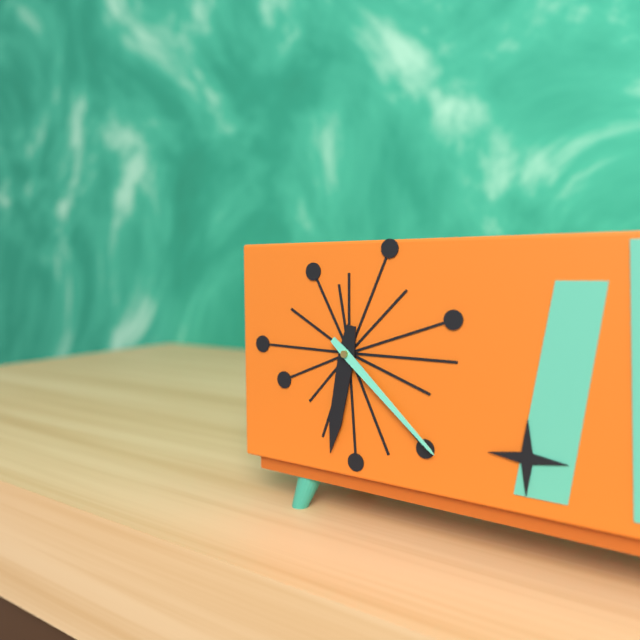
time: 6:22
